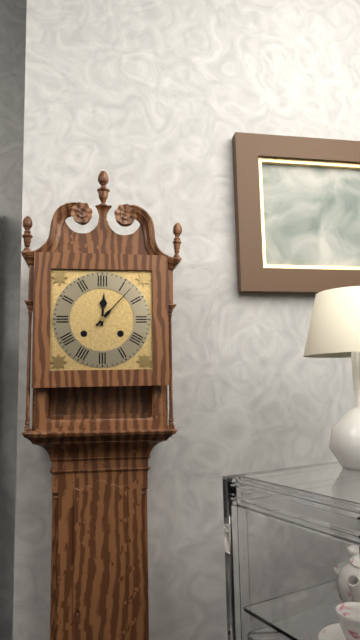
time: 12:07
